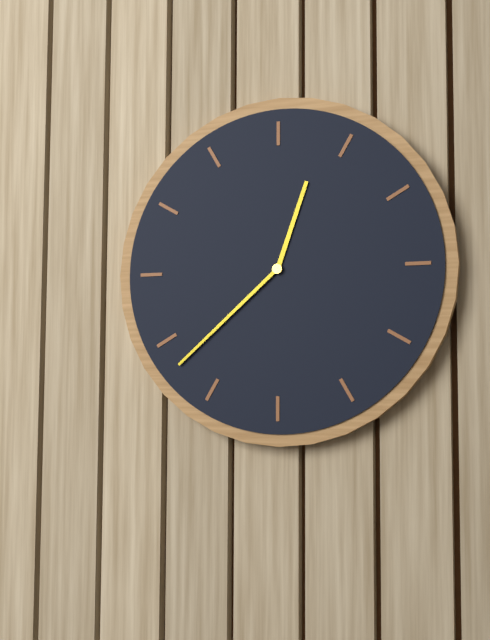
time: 12:38
